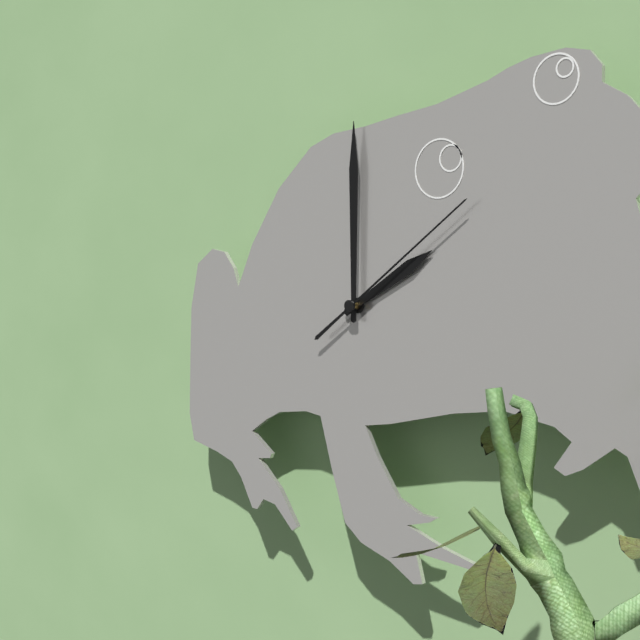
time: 2:00:09
